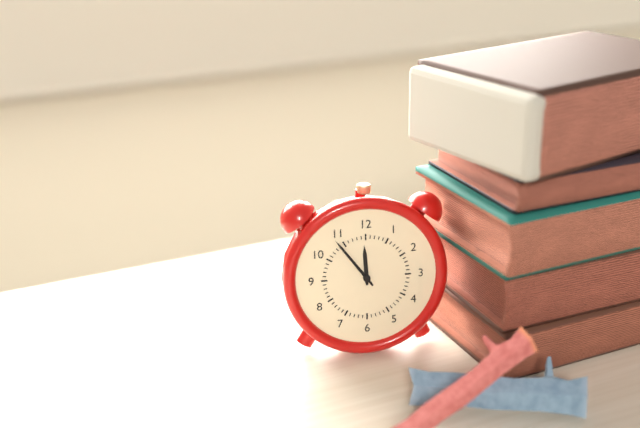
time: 11:54
